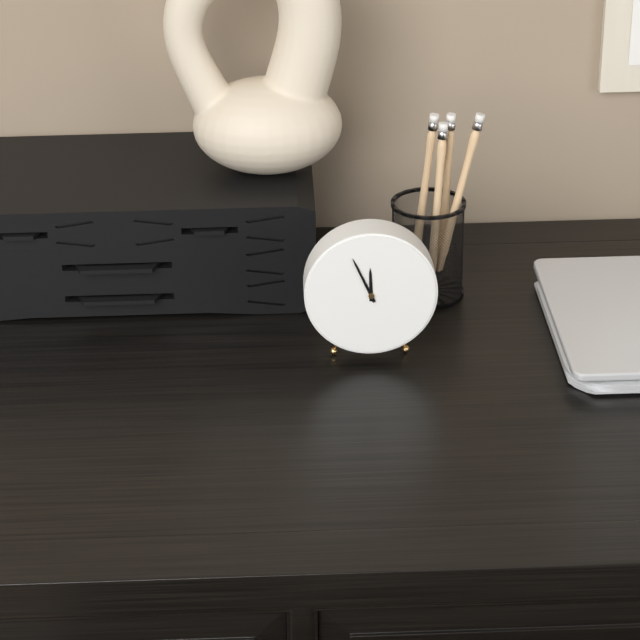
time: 11:56
